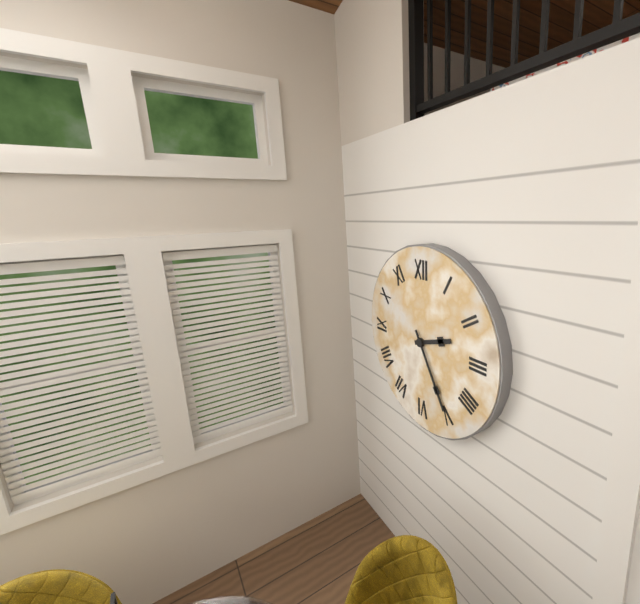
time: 2:25
